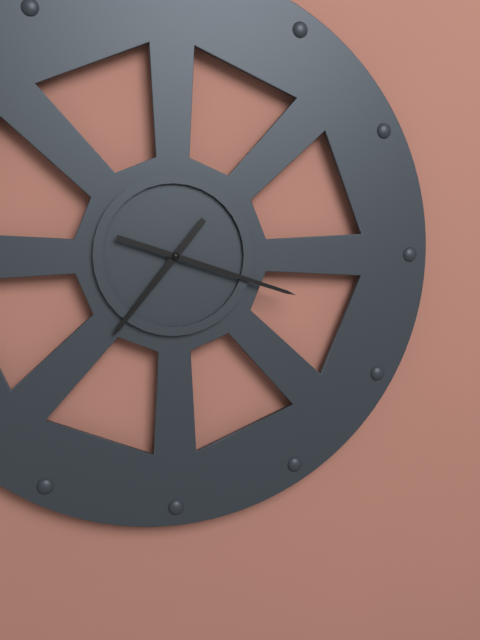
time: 7:18
